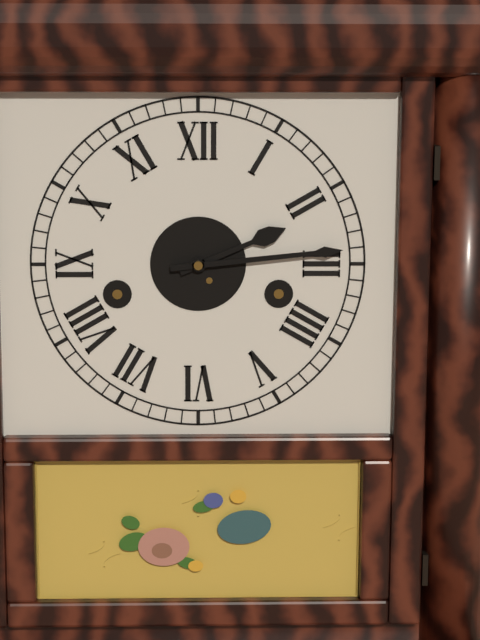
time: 2:14
